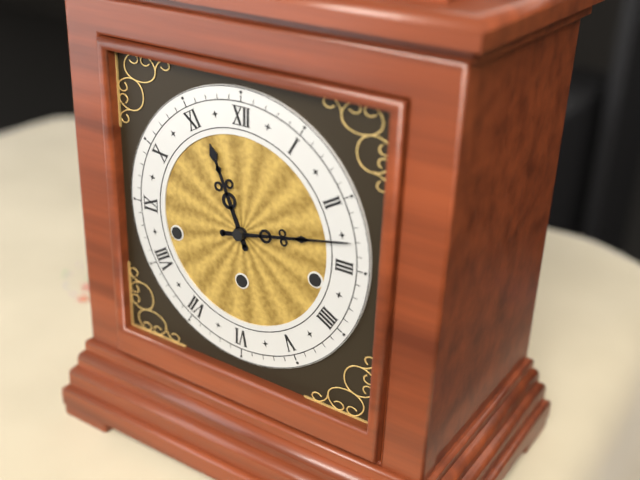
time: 11:13
